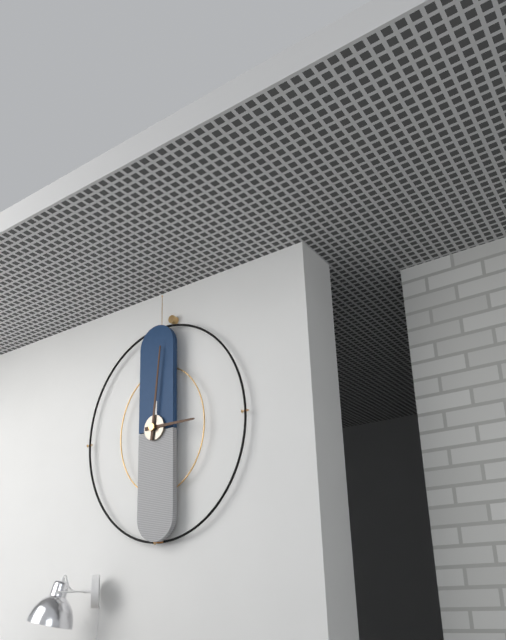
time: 3:01
